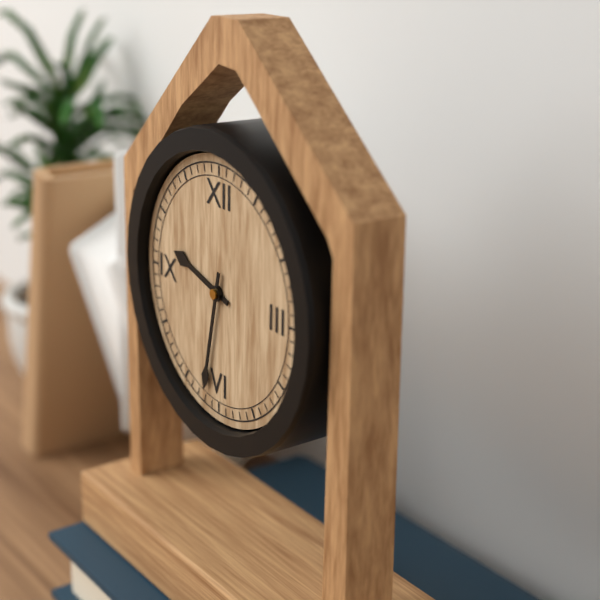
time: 9:32
